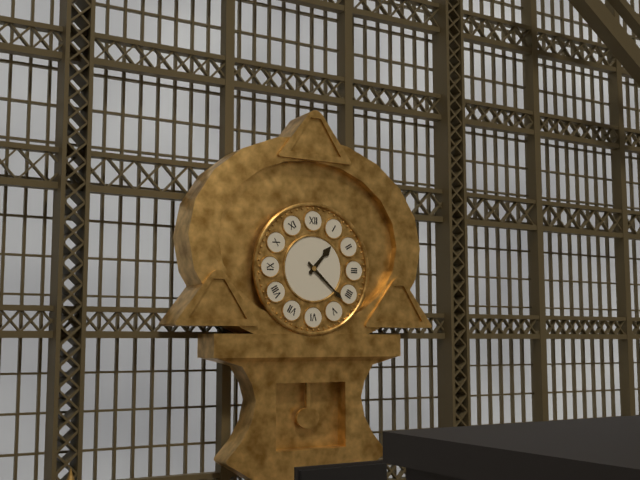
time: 1:22
